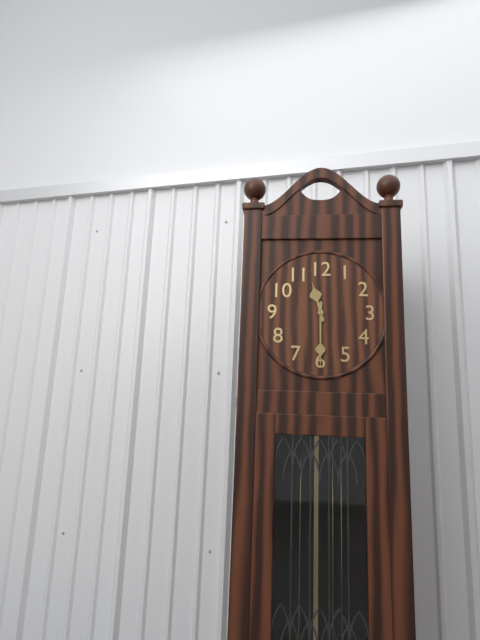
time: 11:30
